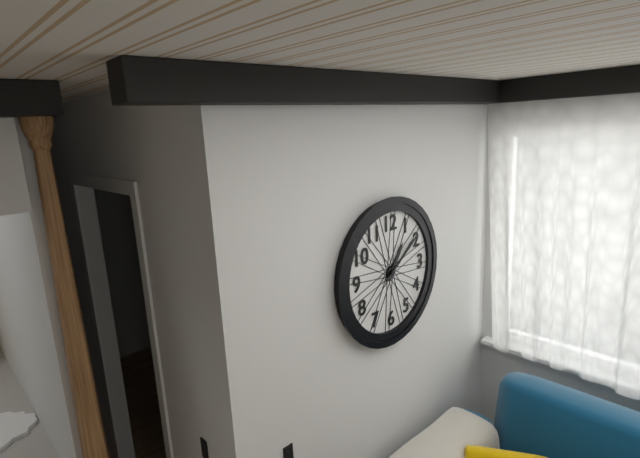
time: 1:09
